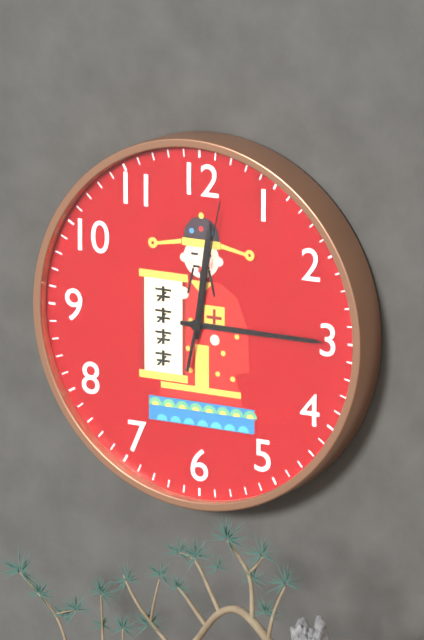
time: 12:15:02
